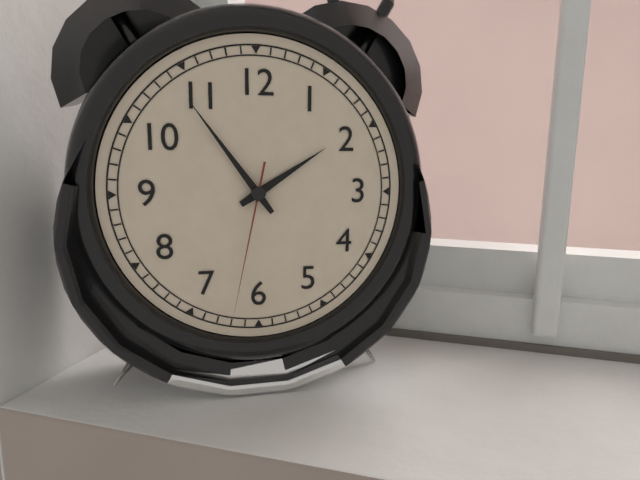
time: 1:54:32
